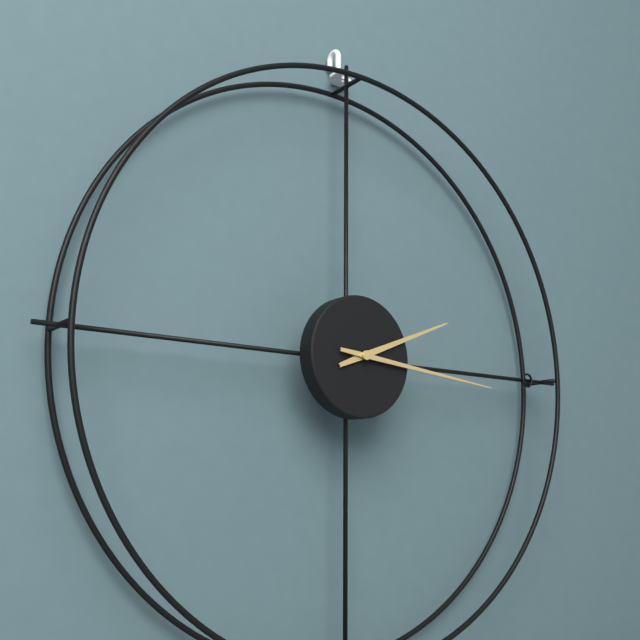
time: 2:16
